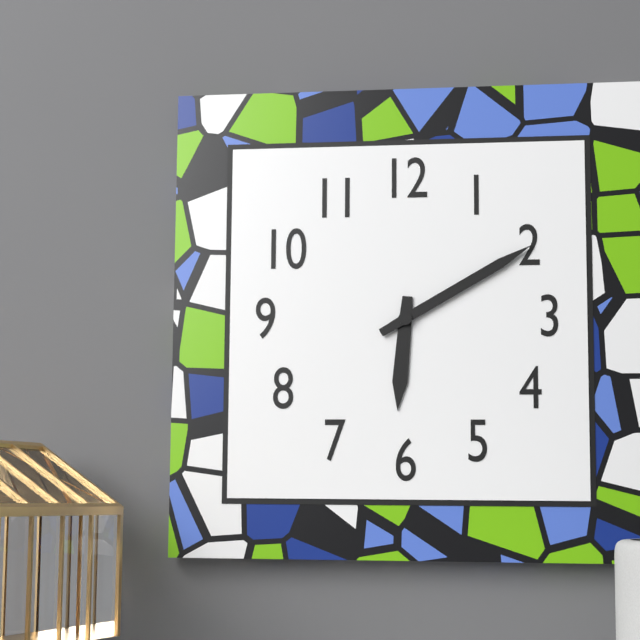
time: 6:10
